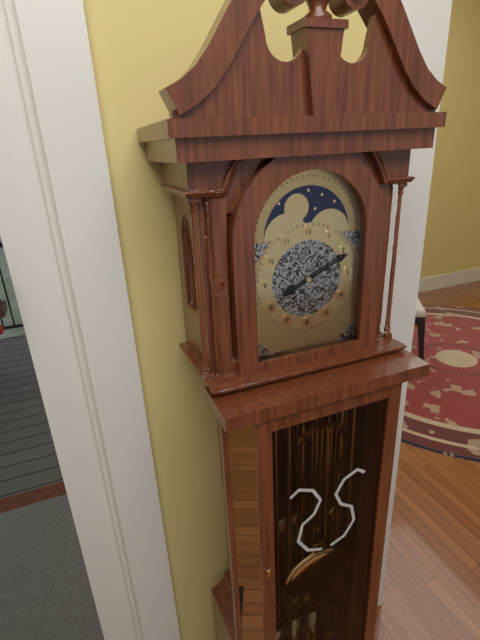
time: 8:11
